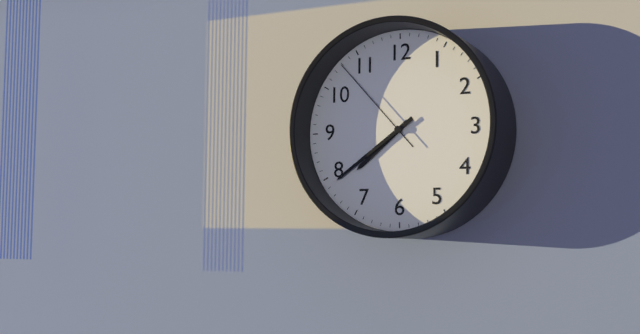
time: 7:39:53
